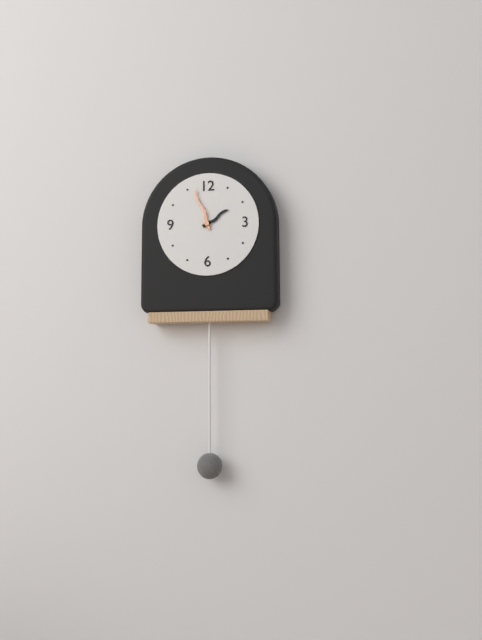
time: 1:57
